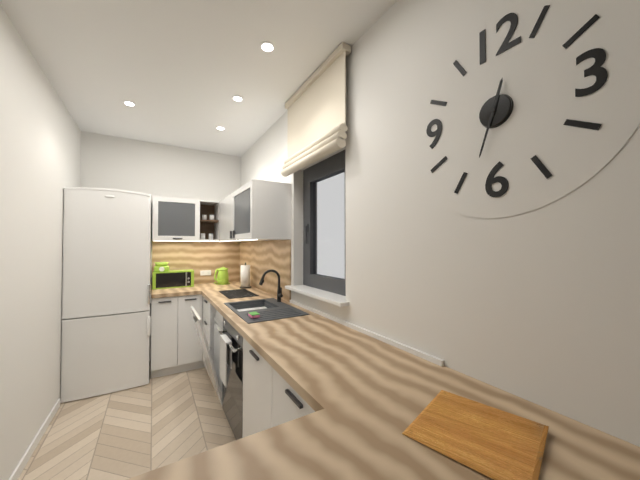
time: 12:33
